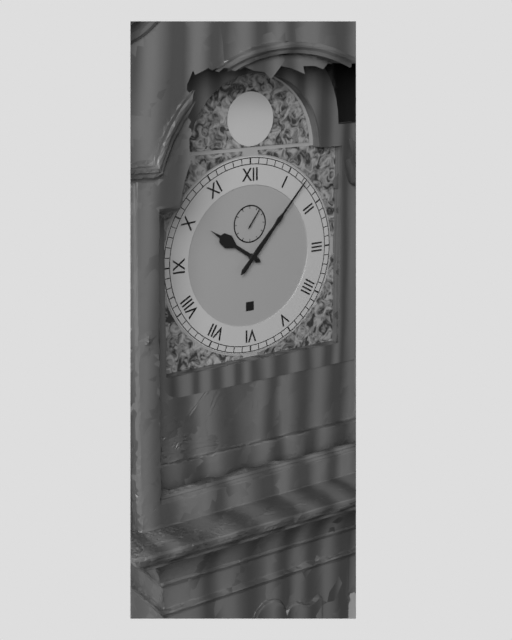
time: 10:07
